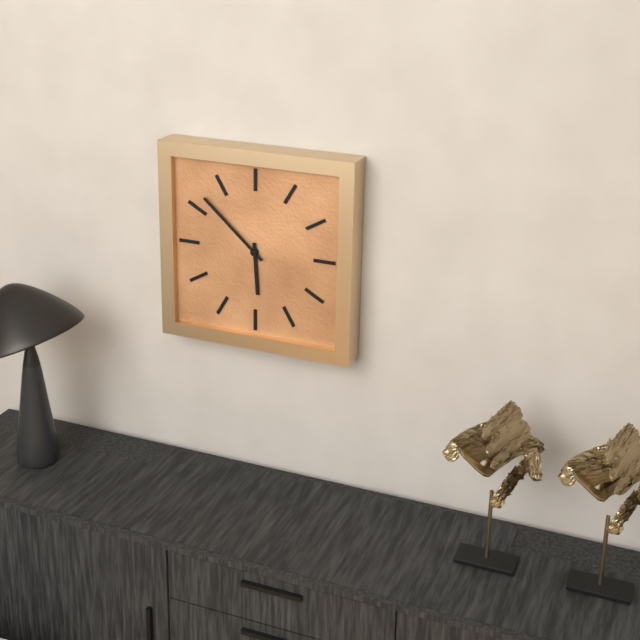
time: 5:52
